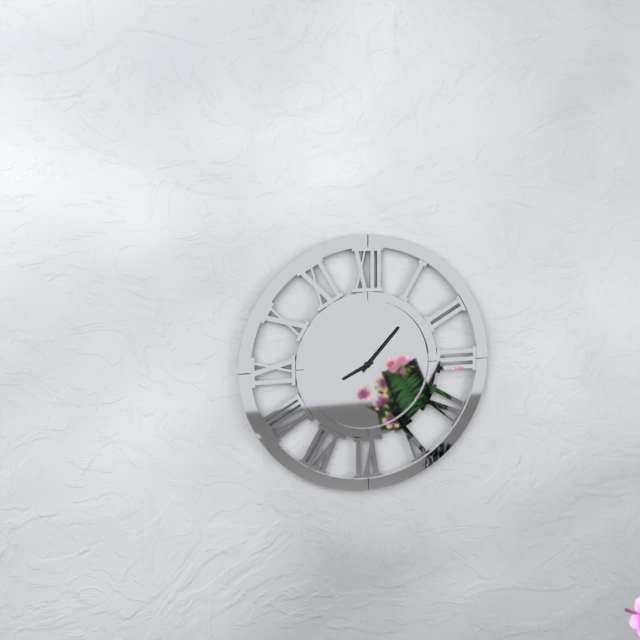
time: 8:07
